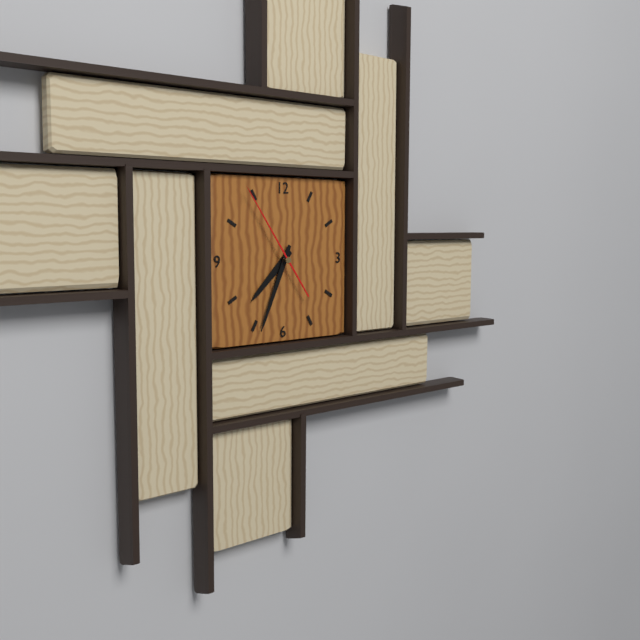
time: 7:34:54
